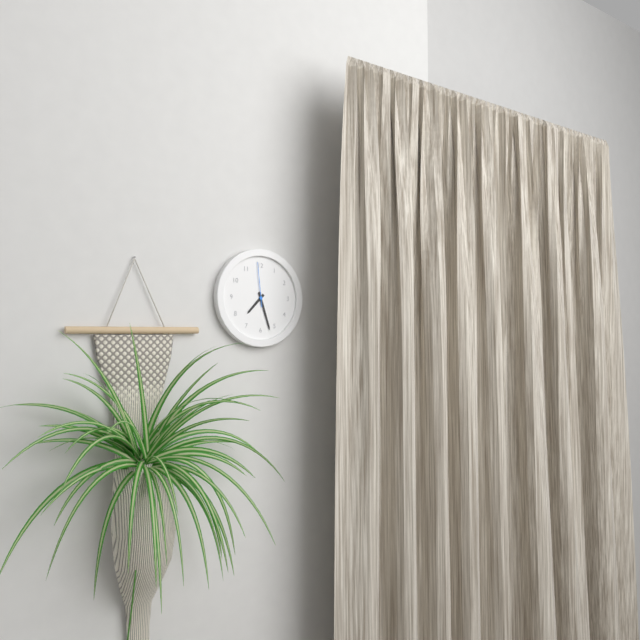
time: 7:27
